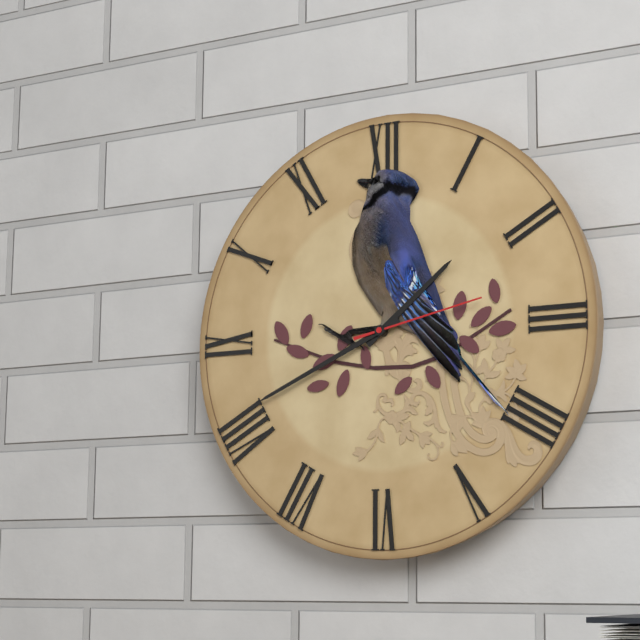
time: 1:41:13
